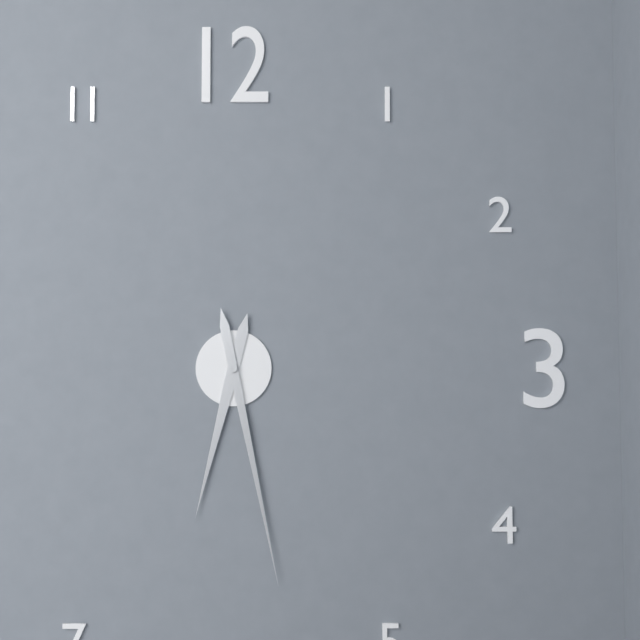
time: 6:28
